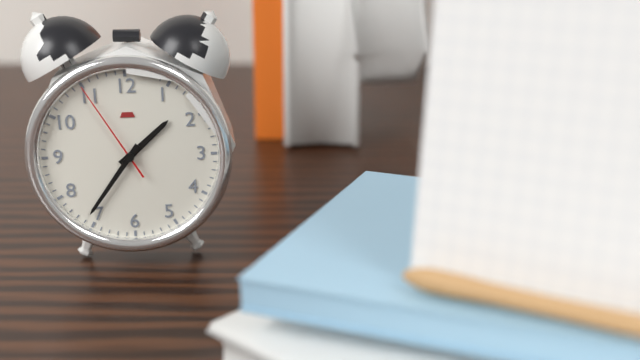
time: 1:36:55
